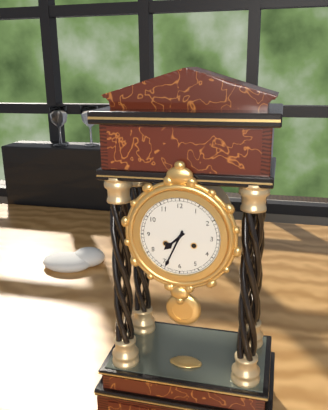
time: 7:34
